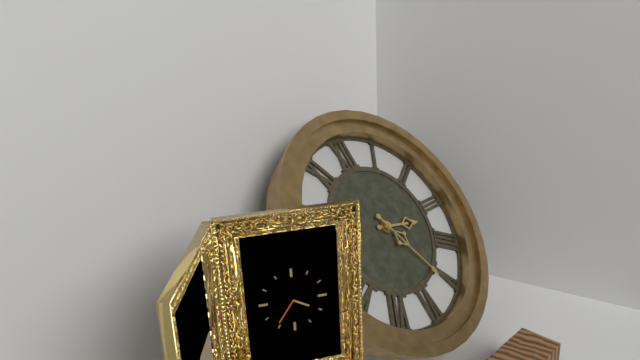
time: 3:26
